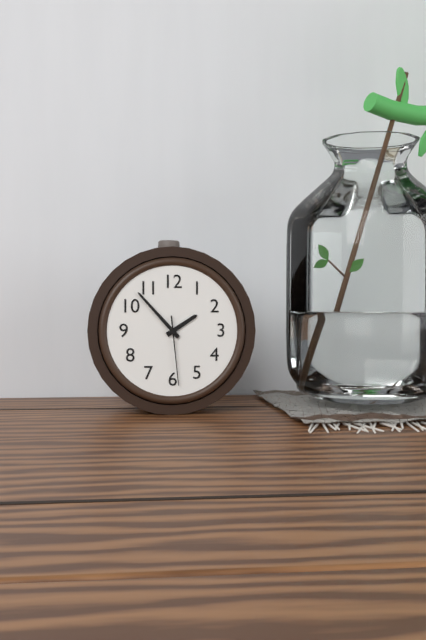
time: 1:53:29
